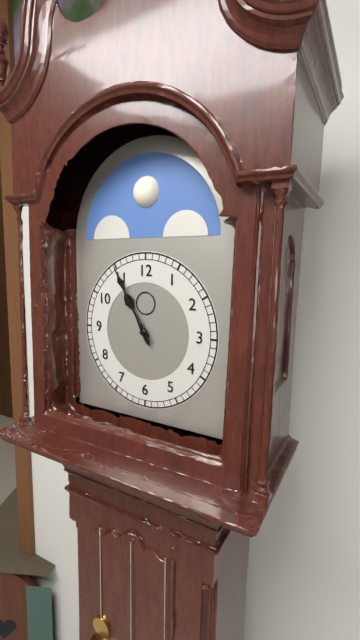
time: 10:55
